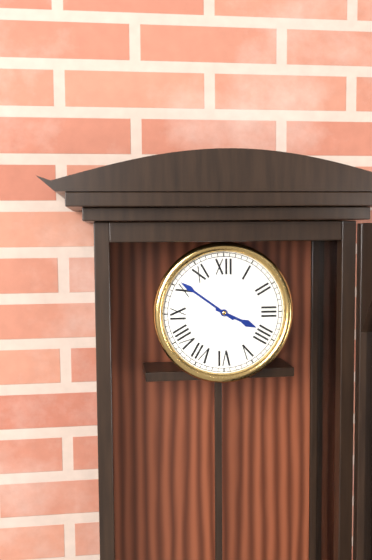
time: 3:51
